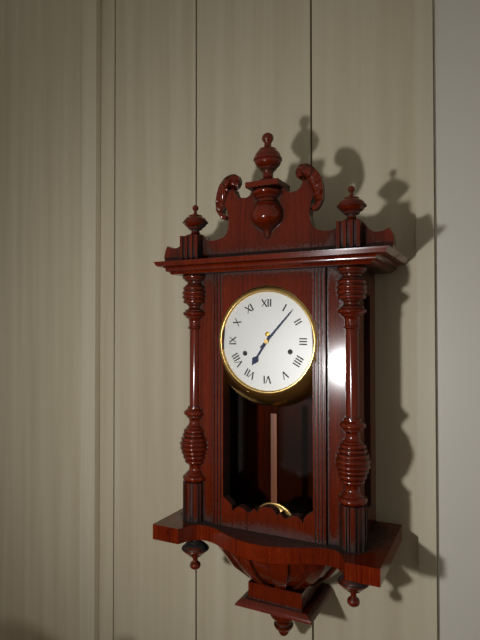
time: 7:07
